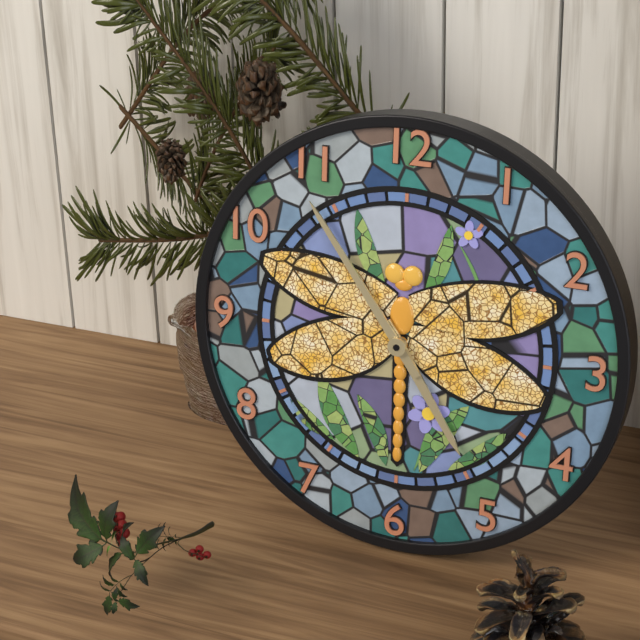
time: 4:54
